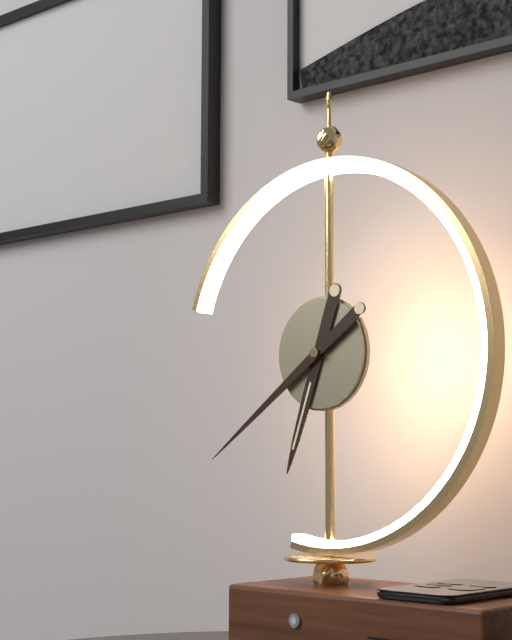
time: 6:39
